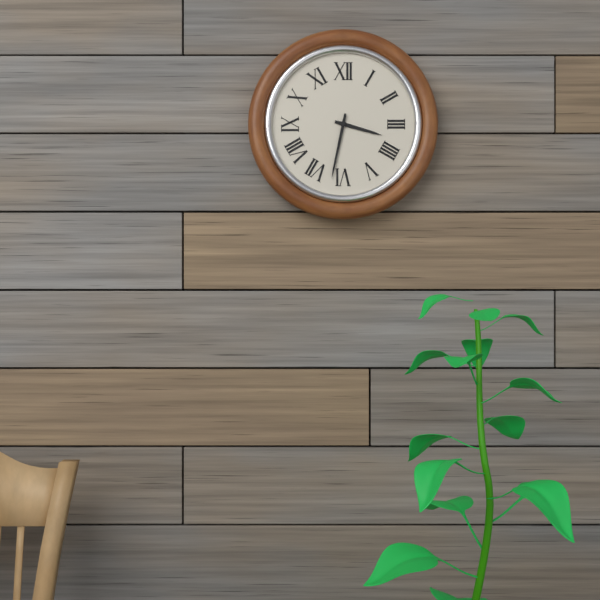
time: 3:32
